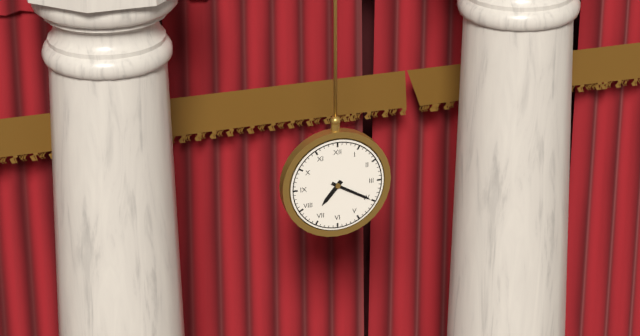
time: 7:20
